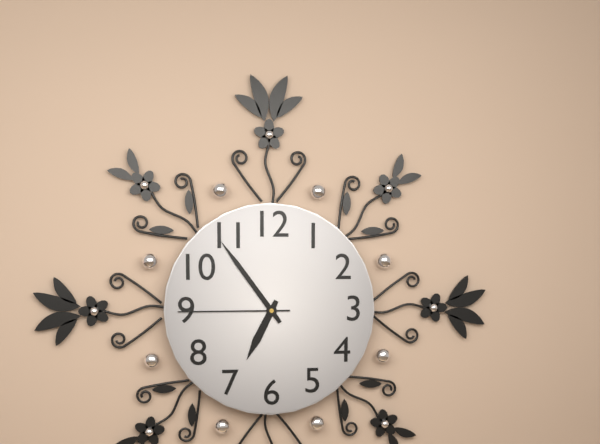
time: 6:54:45
